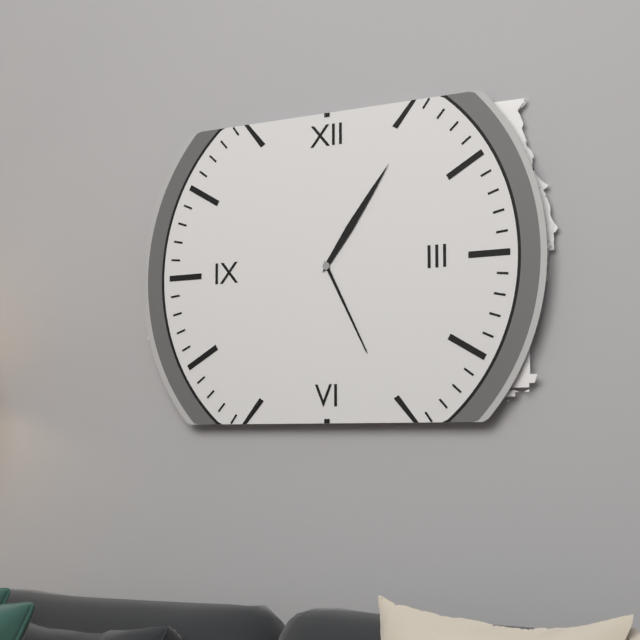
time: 5:06
